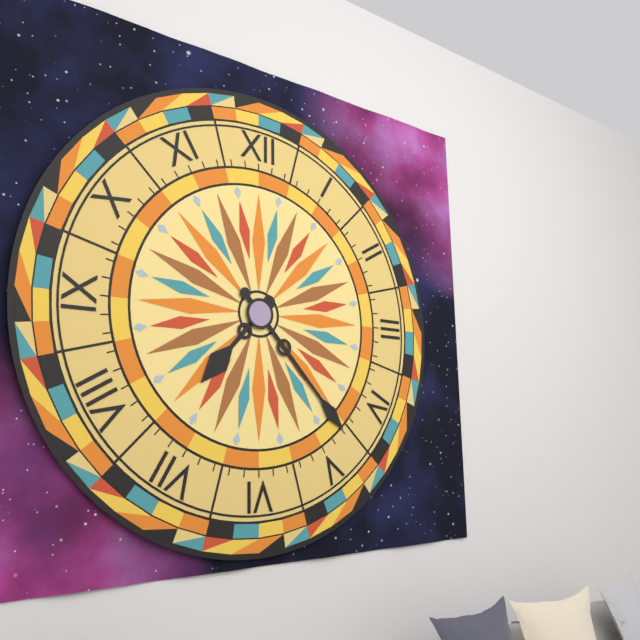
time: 7:23
